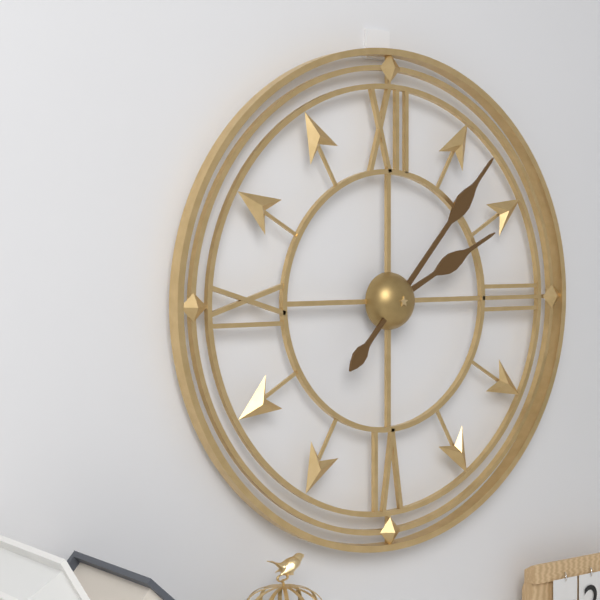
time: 2:07
